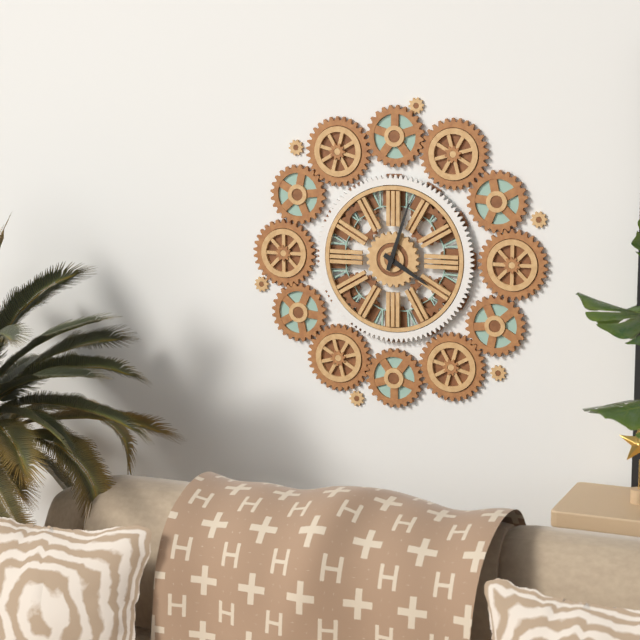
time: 4:03
